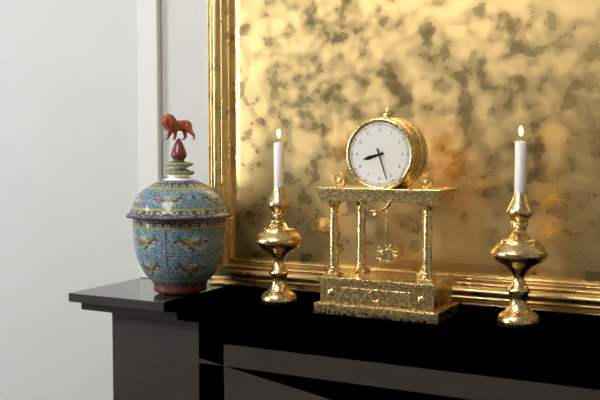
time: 8:27
